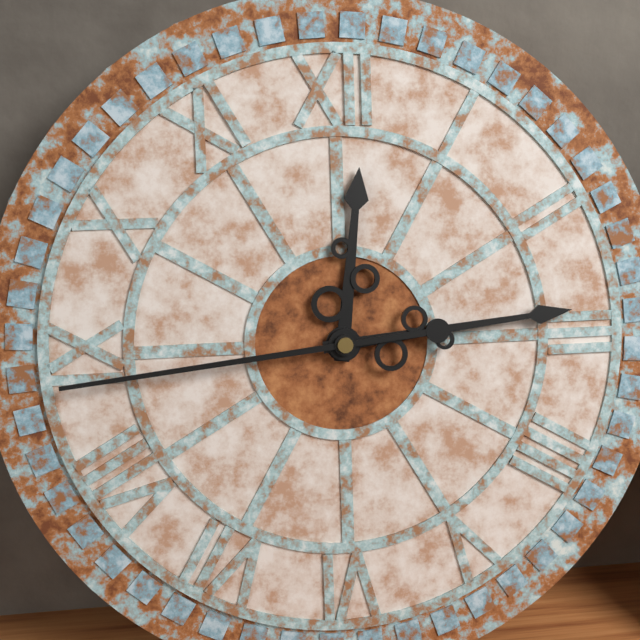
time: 12:14:44
